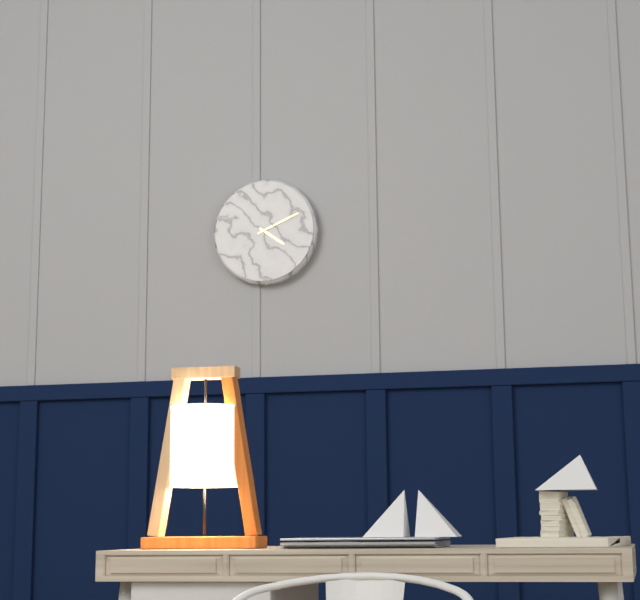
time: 4:11
